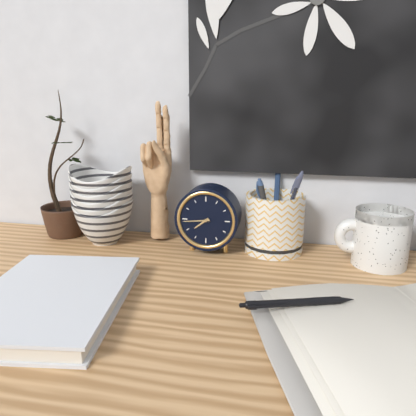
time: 7:44
